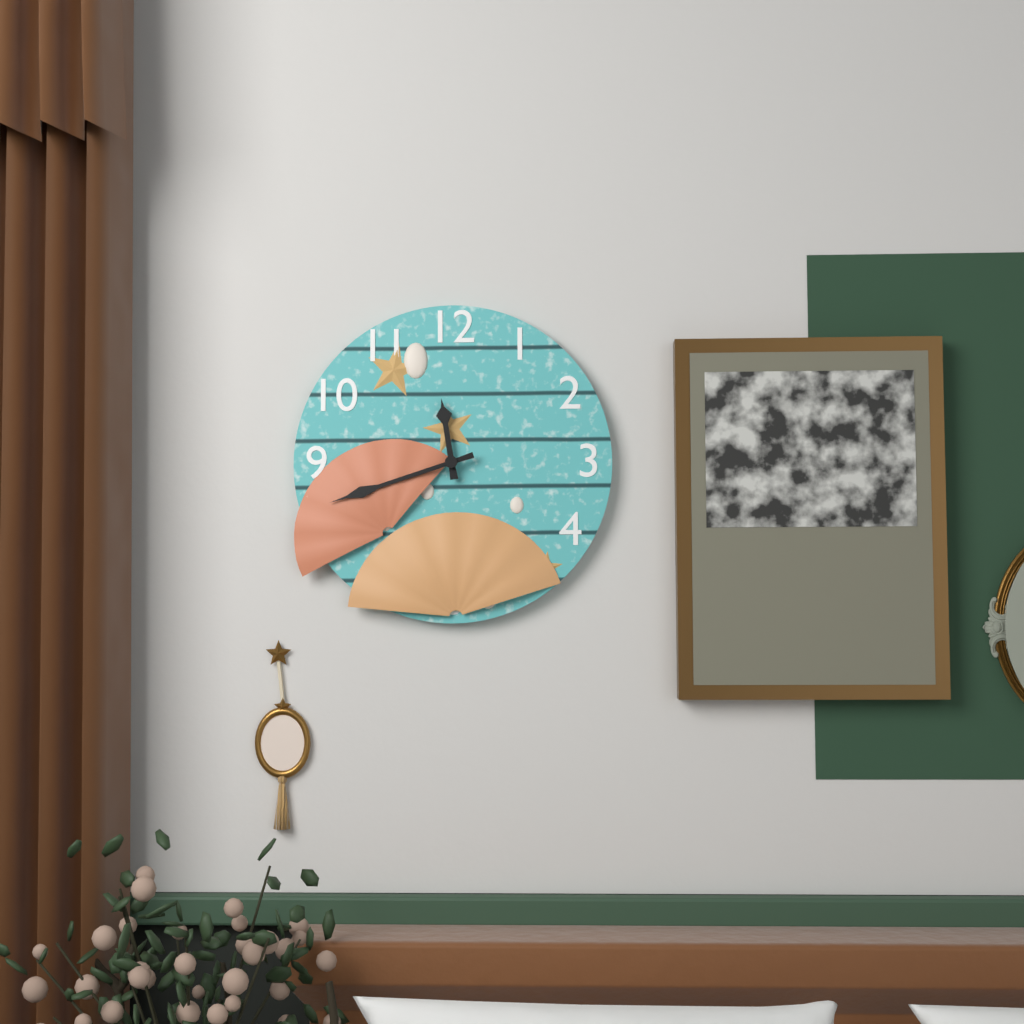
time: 11:42
